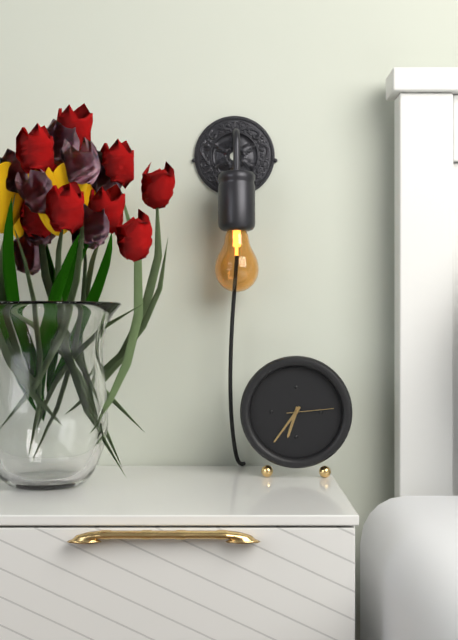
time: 6:36
